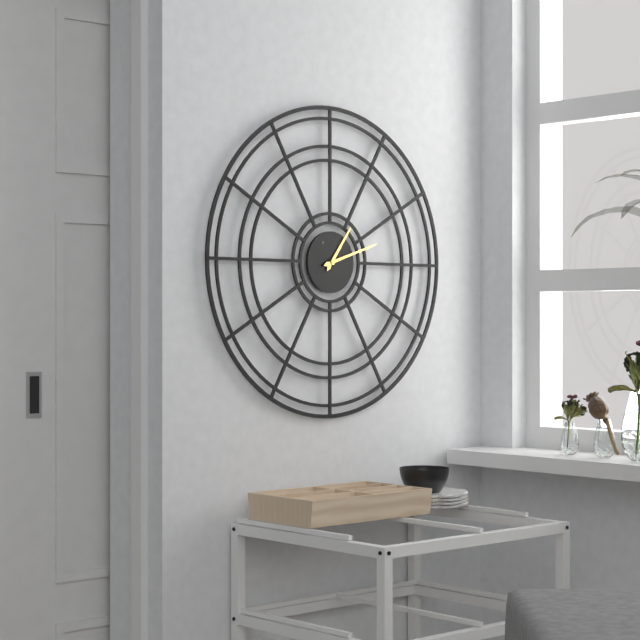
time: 1:12
